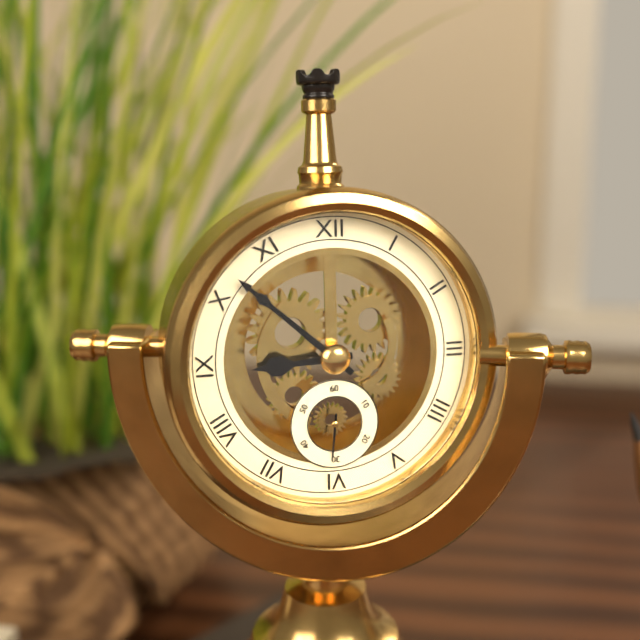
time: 8:52
